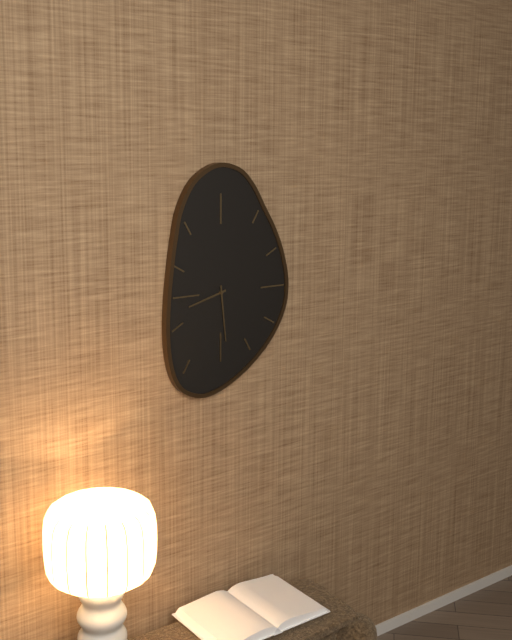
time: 8:29
